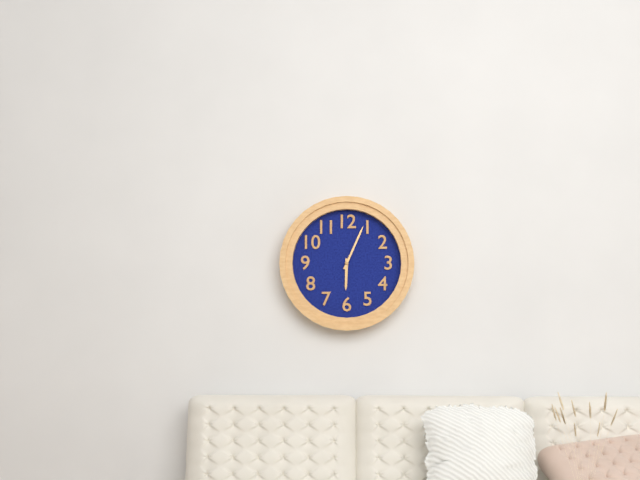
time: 6:04
